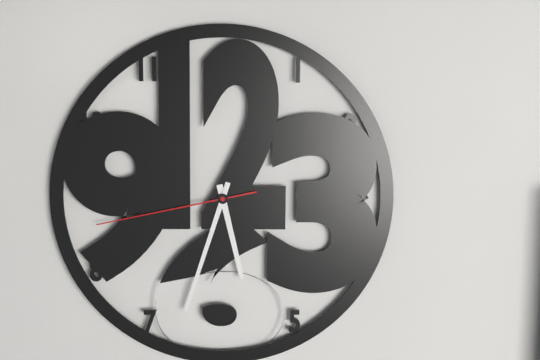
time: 5:33:43
